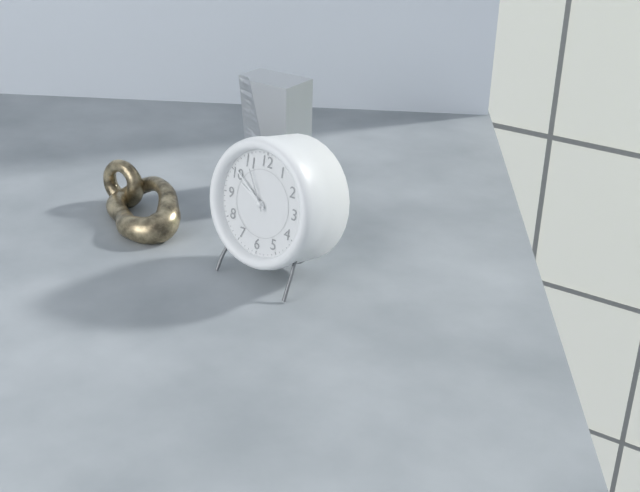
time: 9:51
